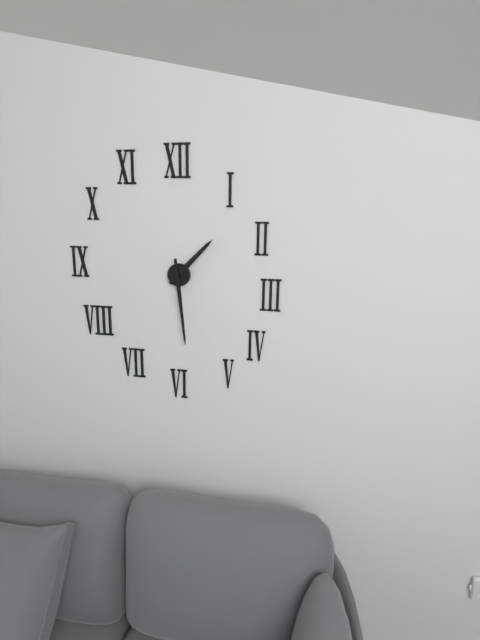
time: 1:29
